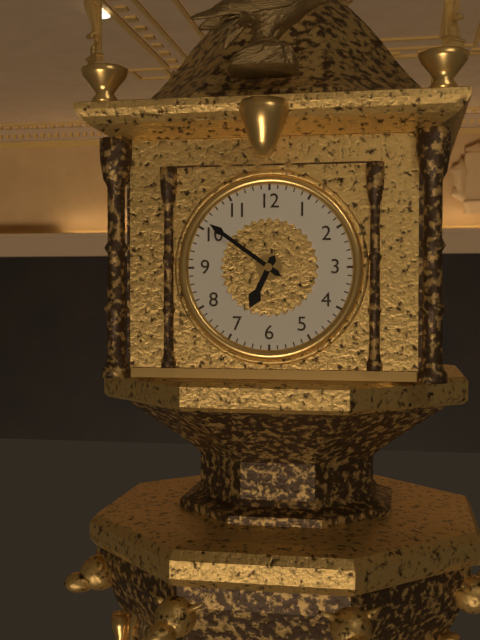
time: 6:51
